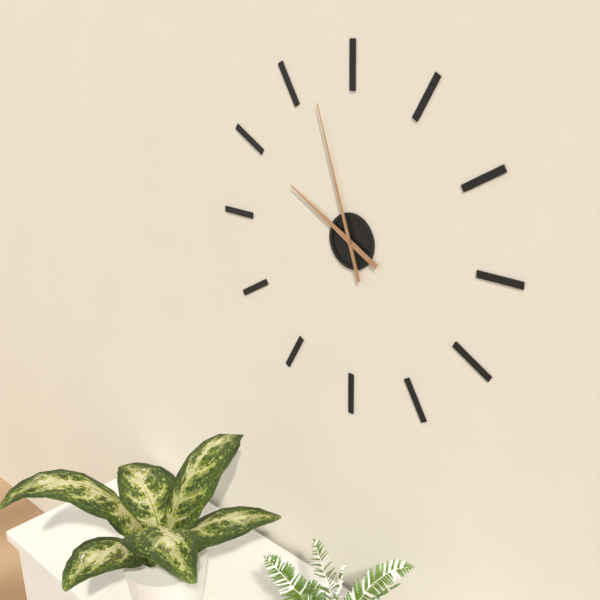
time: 9:57
